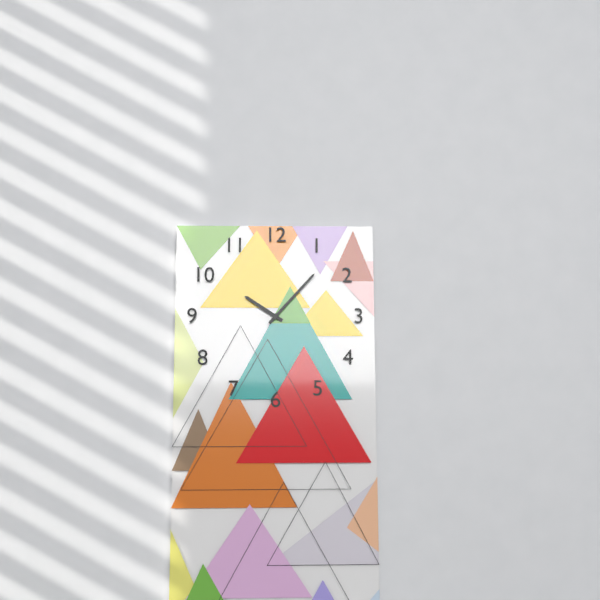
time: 10:07
